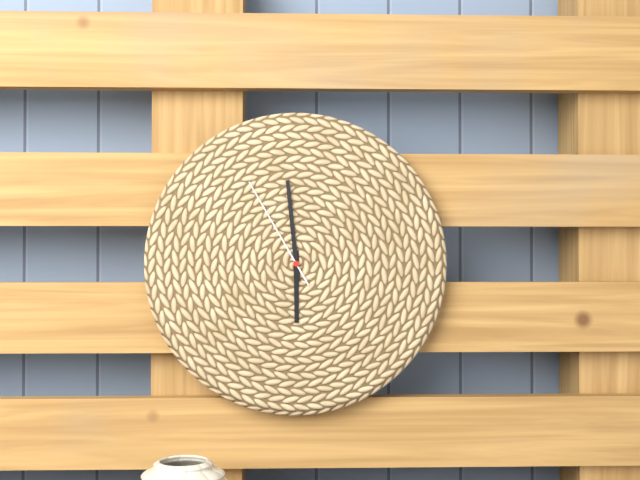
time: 5:59:55
